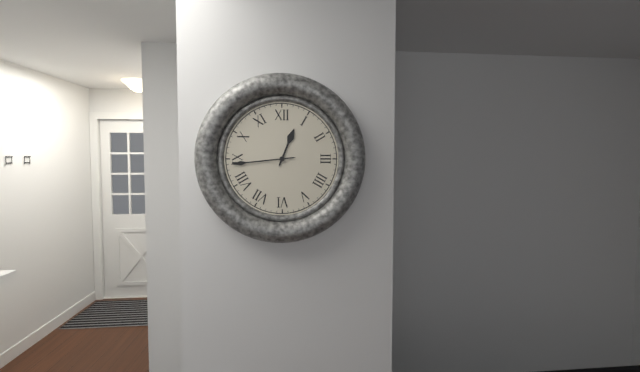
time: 12:44
